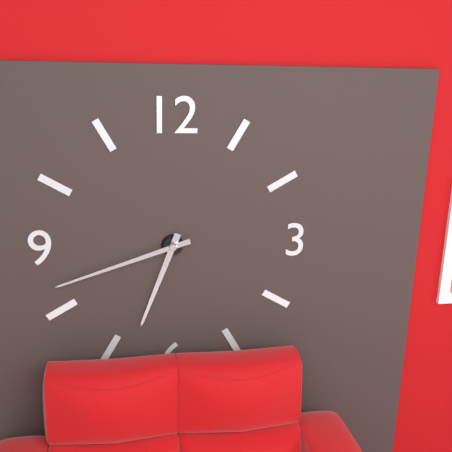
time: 6:42
